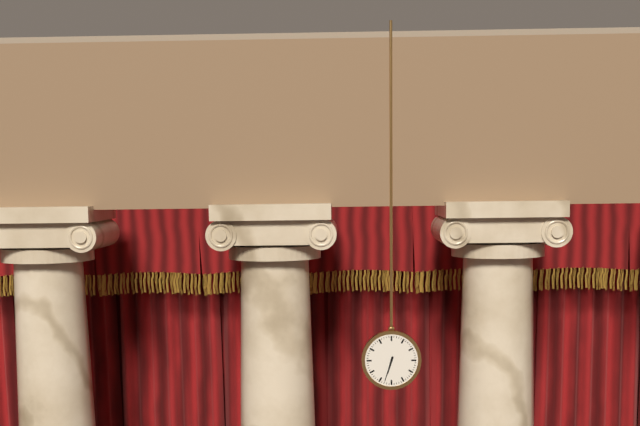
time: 6:33
